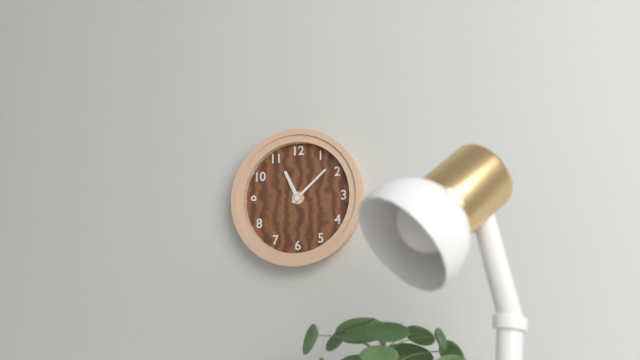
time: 11:08
